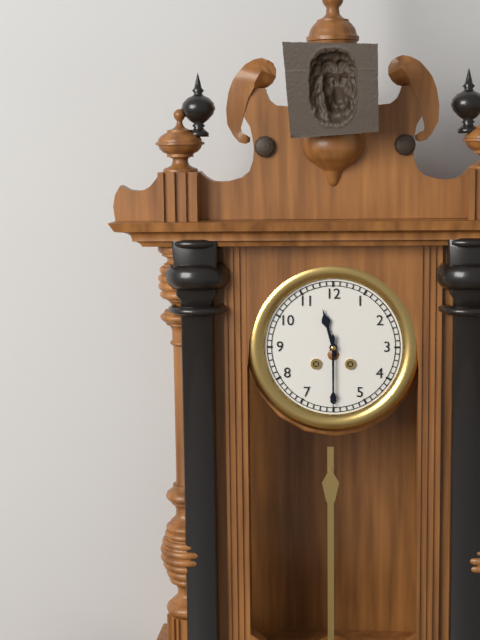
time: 11:30
